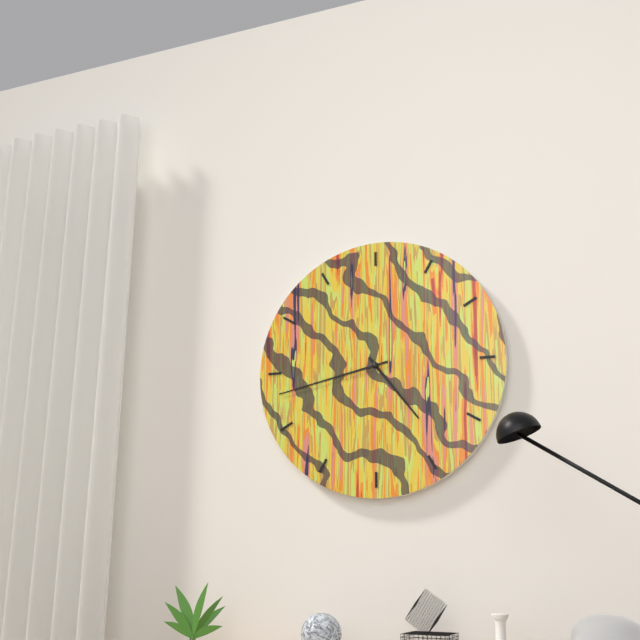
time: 4:43
